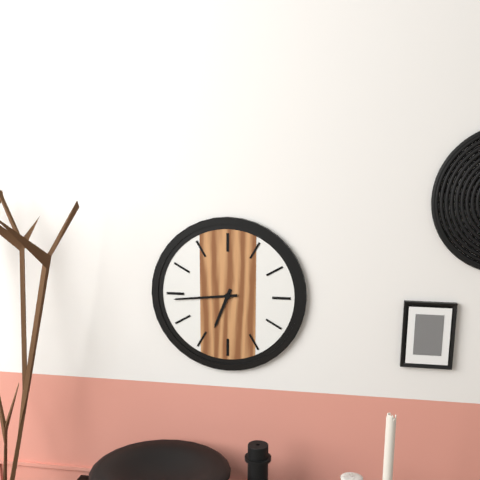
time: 6:44
